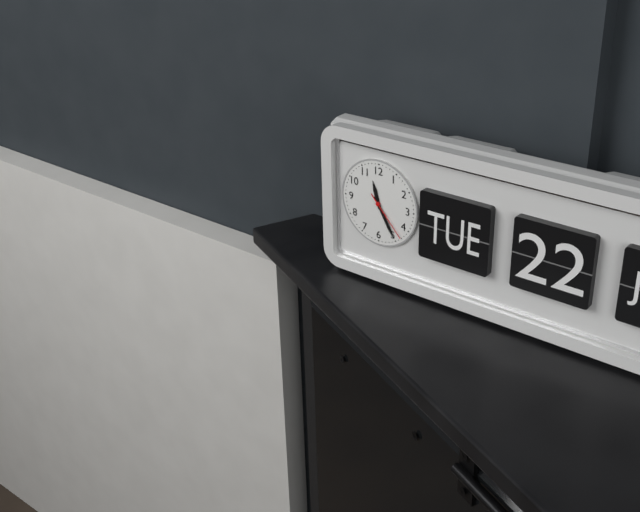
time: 11:25:23
